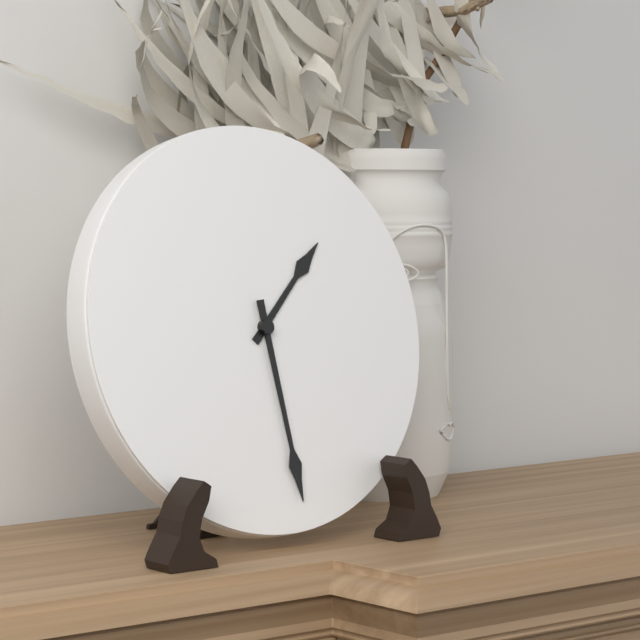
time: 1:29
